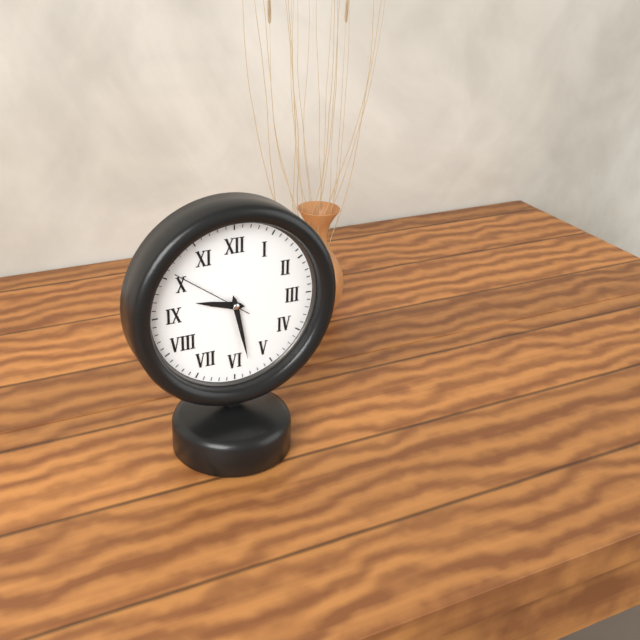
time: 9:28:51
